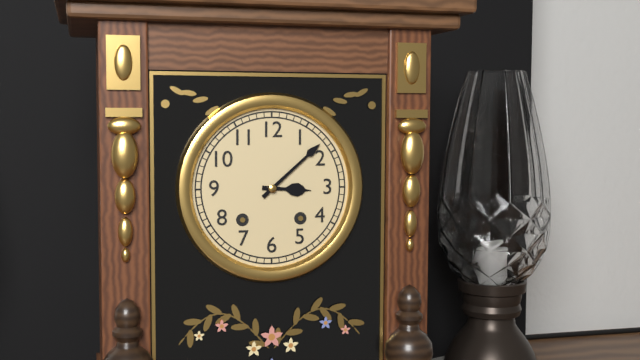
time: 3:08
